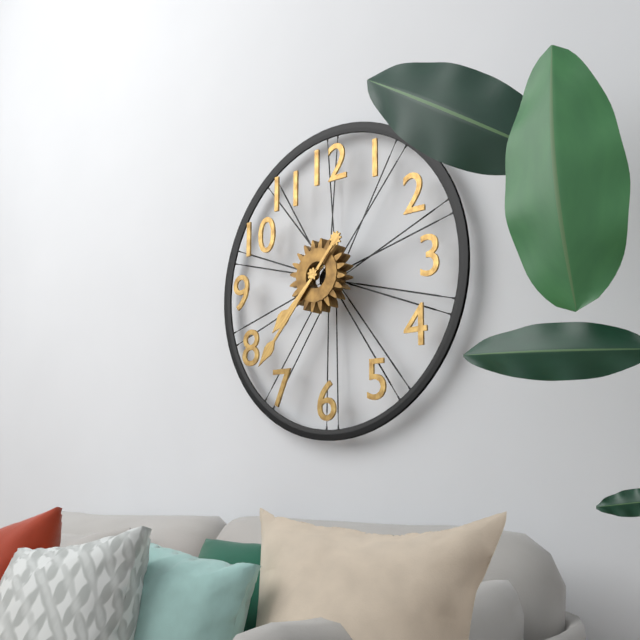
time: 7:37
